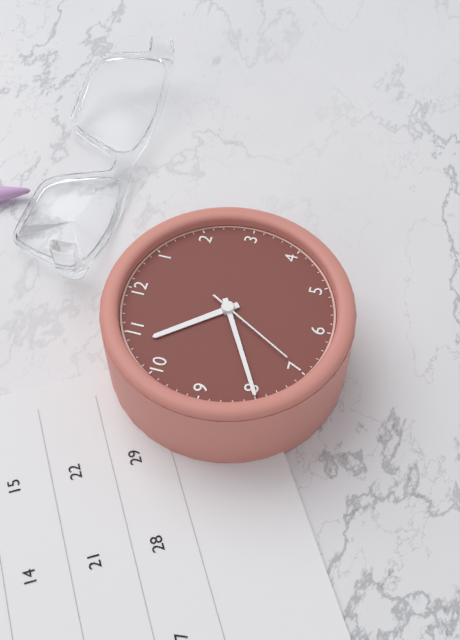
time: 10:40:35
